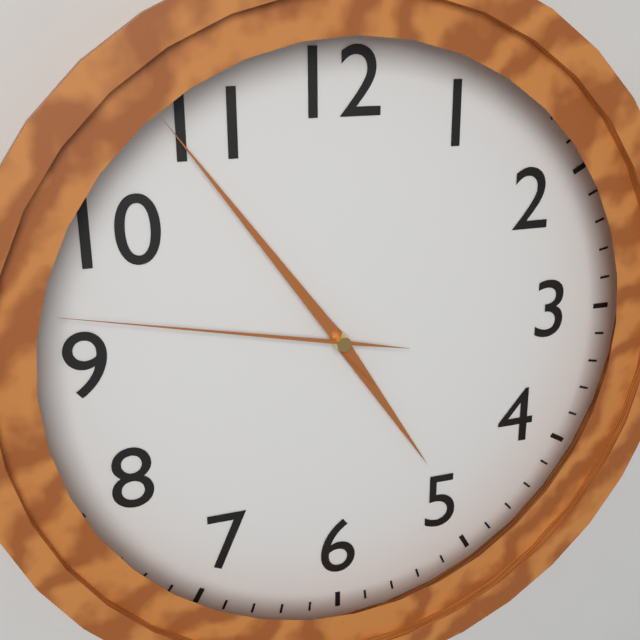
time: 4:54:47
